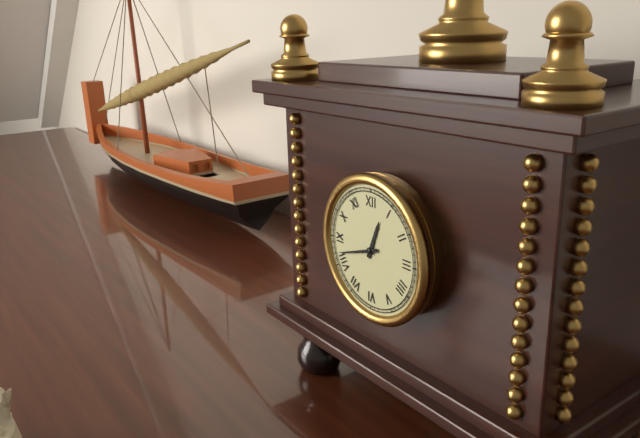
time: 12:42
